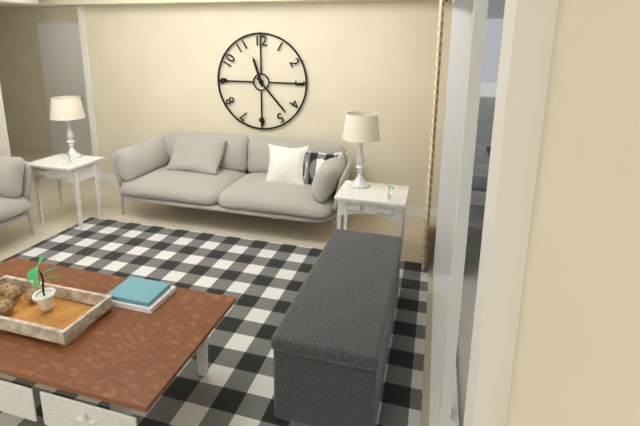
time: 11:23
